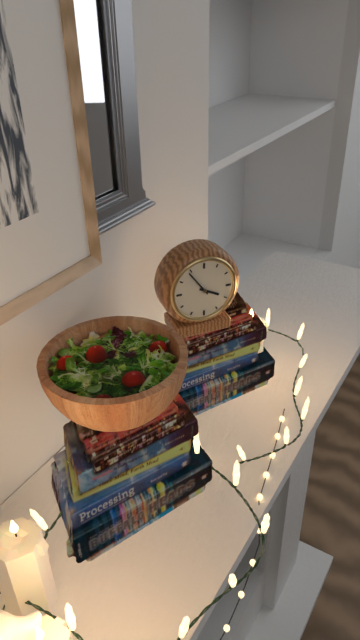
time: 3:54
